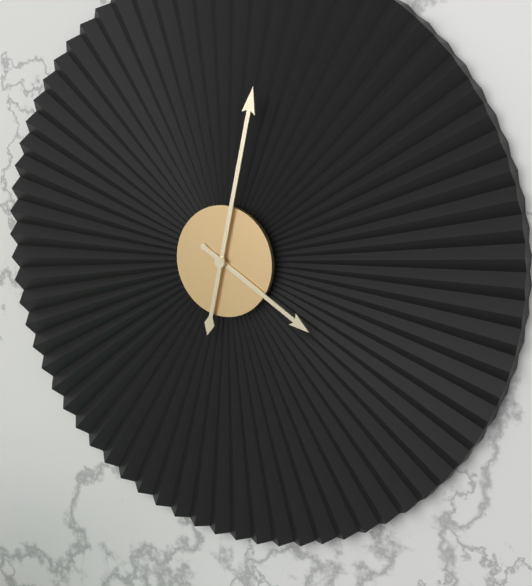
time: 4:02
